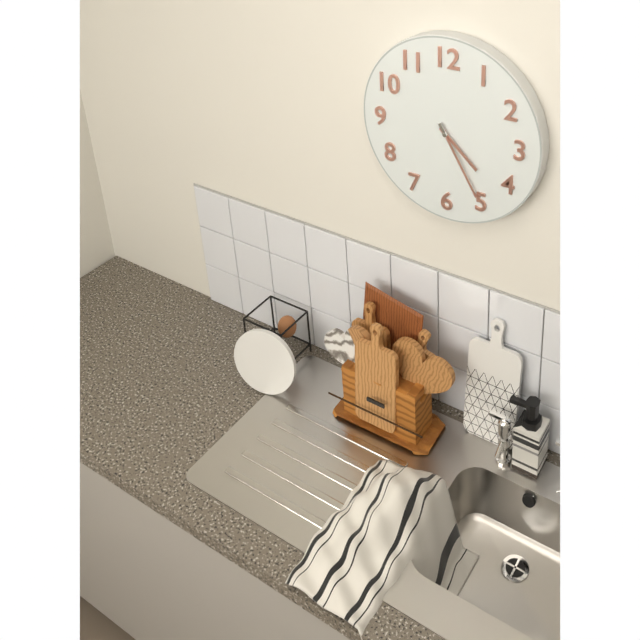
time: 4:25
